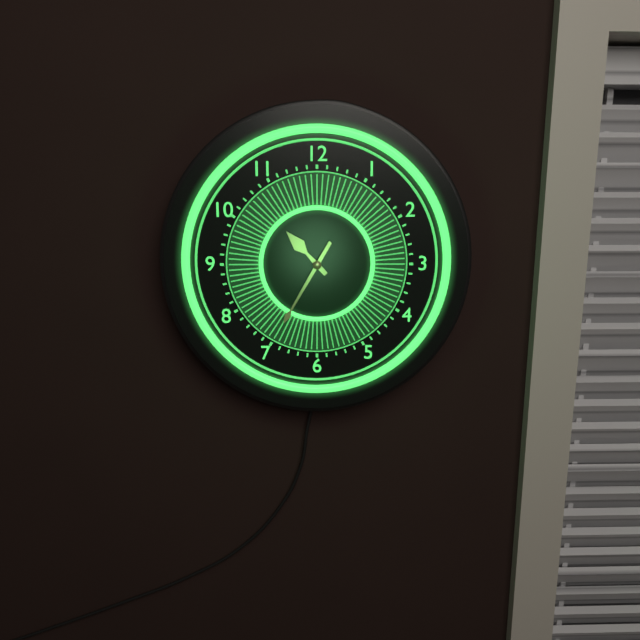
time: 10:35
